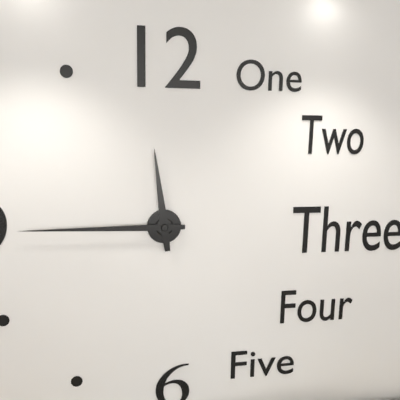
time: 11:45
